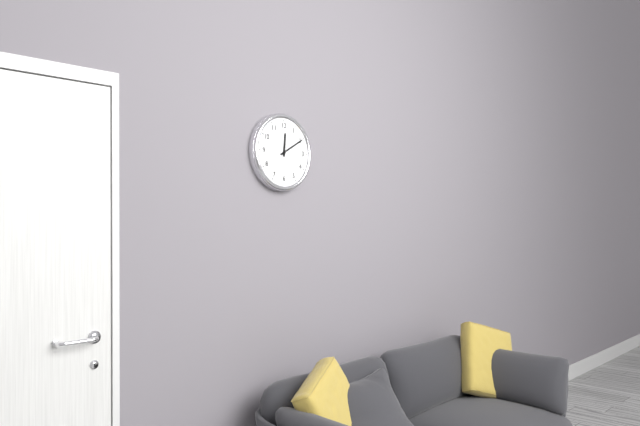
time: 12:10
